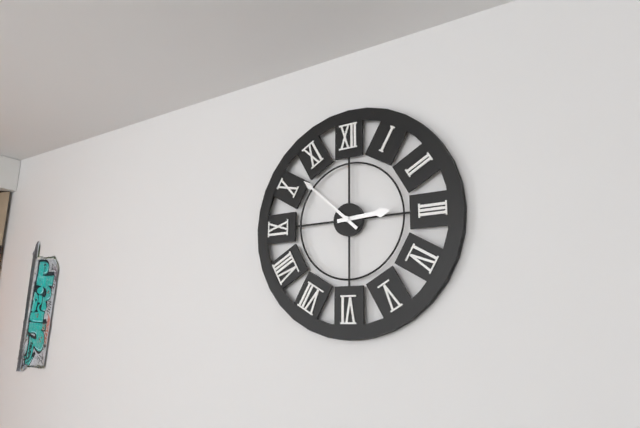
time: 2:52
